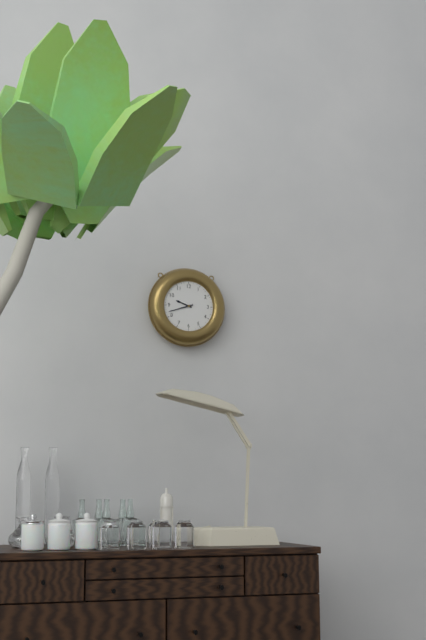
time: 9:42
